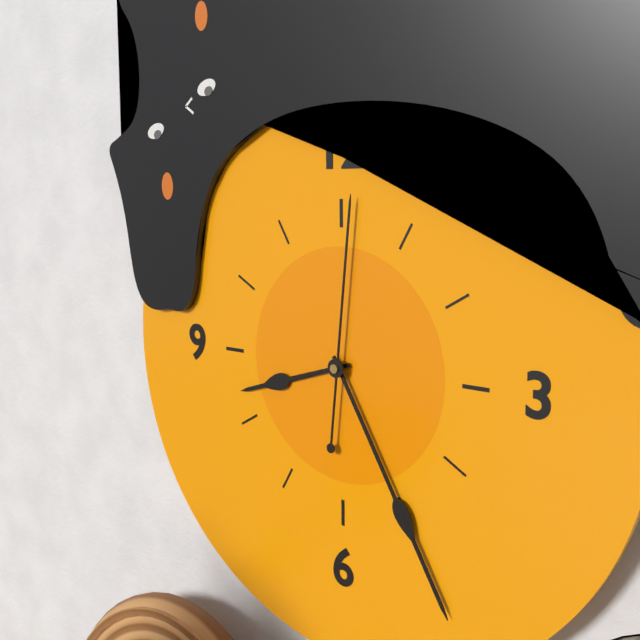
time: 8:25:01
